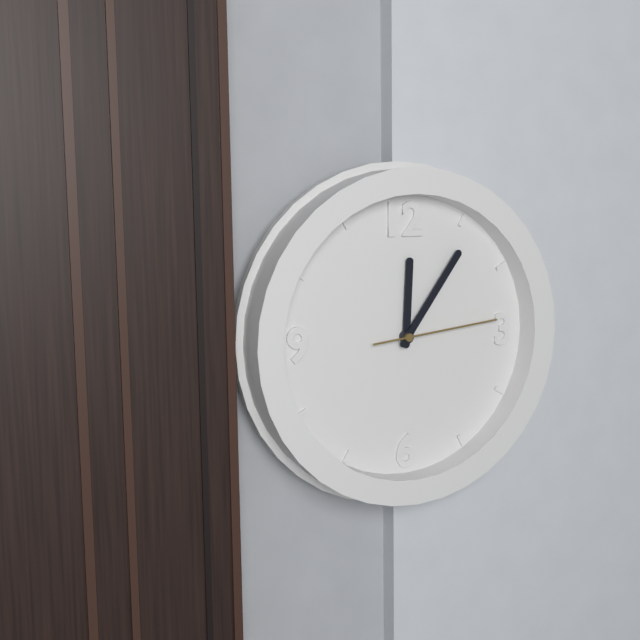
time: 12:06:14
